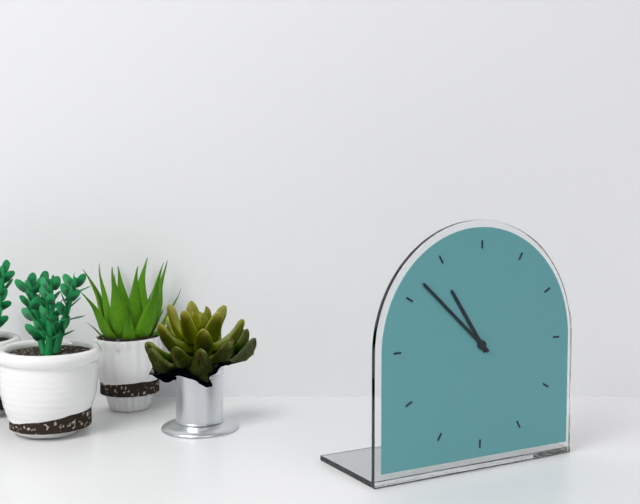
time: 10:52
